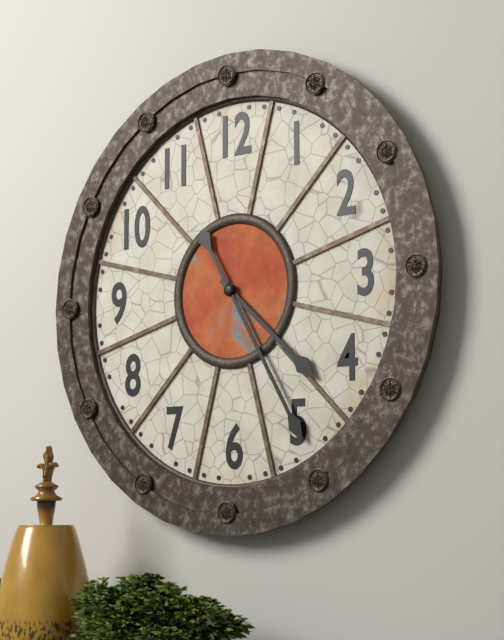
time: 4:25
